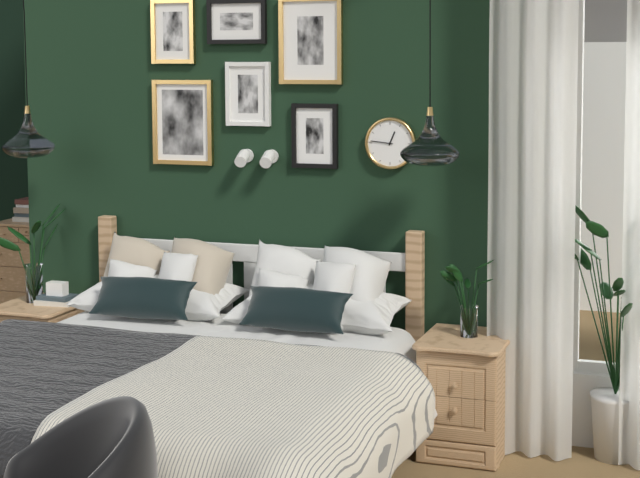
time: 12:46
